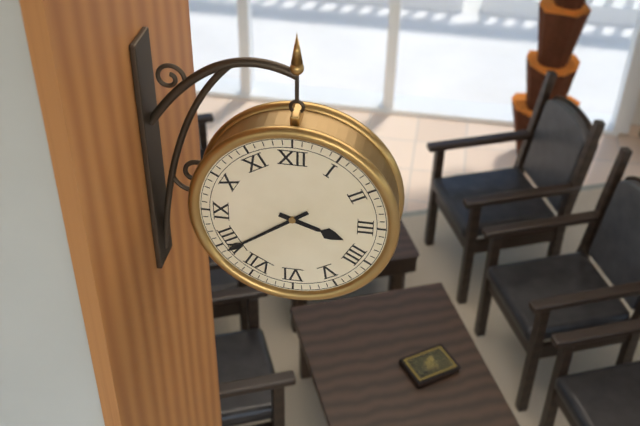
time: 3:39
